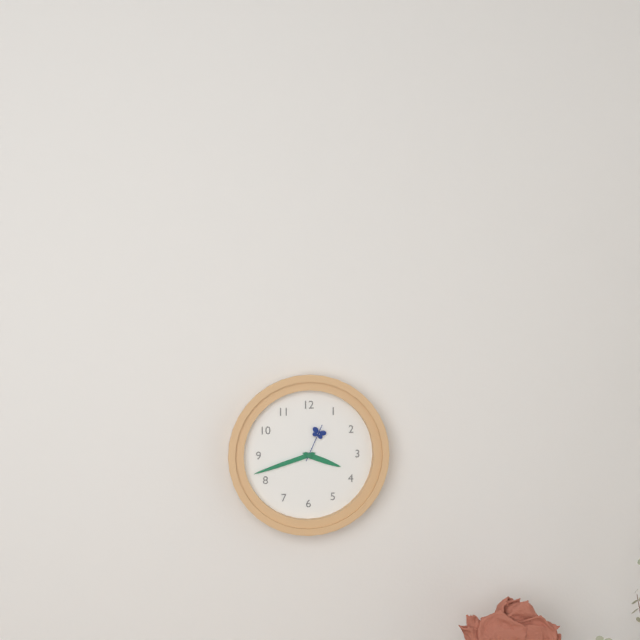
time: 3:42
